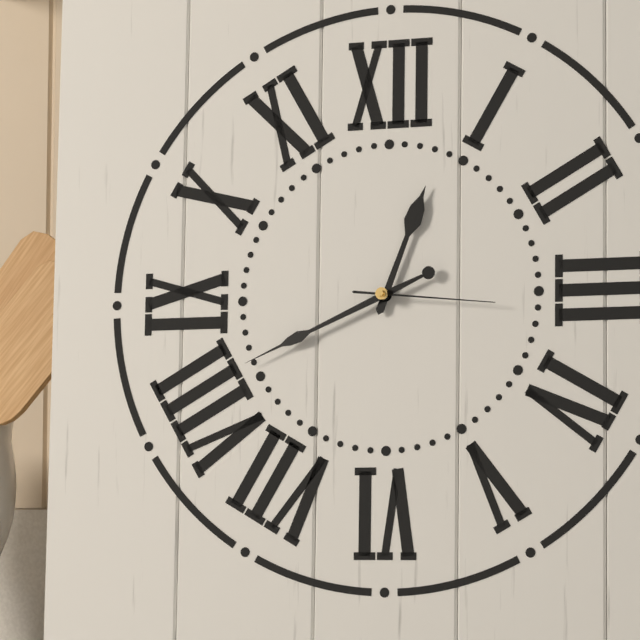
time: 12:41:16
